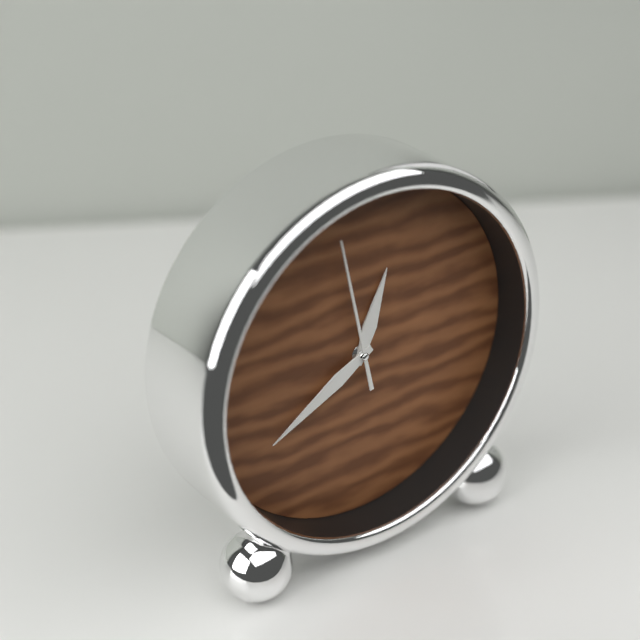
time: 12:40:58
